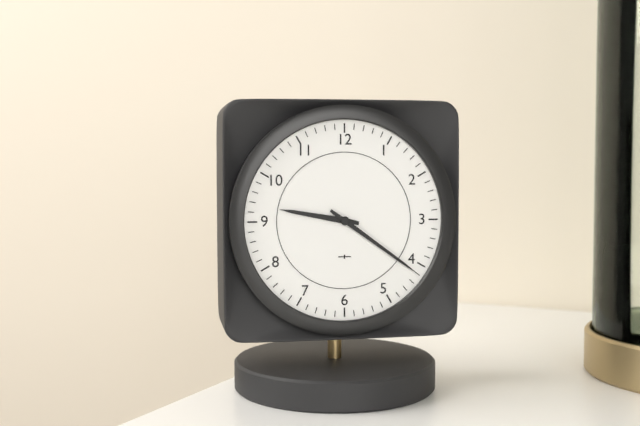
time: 9:21
